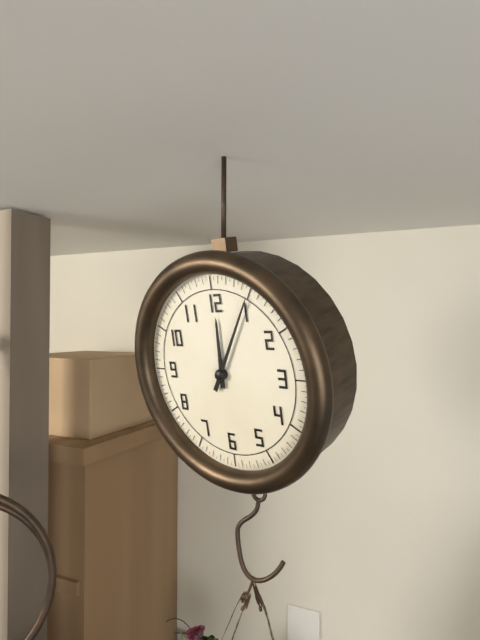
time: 12:05
